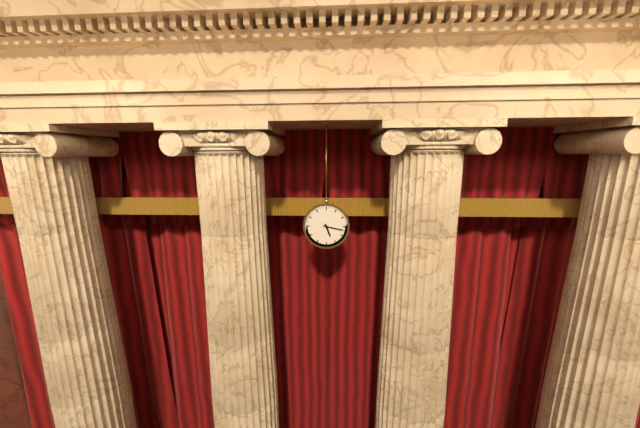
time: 5:17
